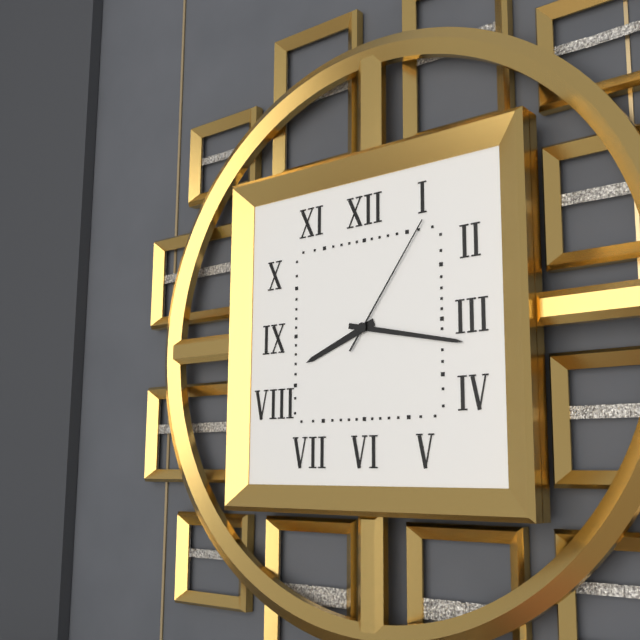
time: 8:17:06
